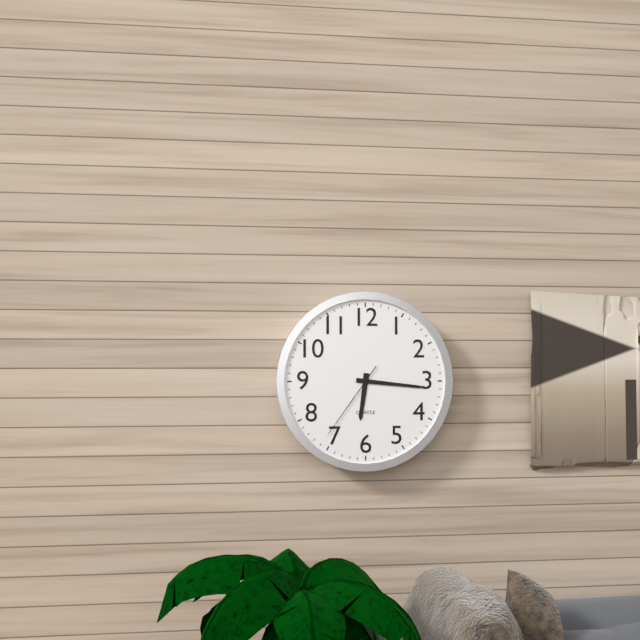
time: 6:16:36
